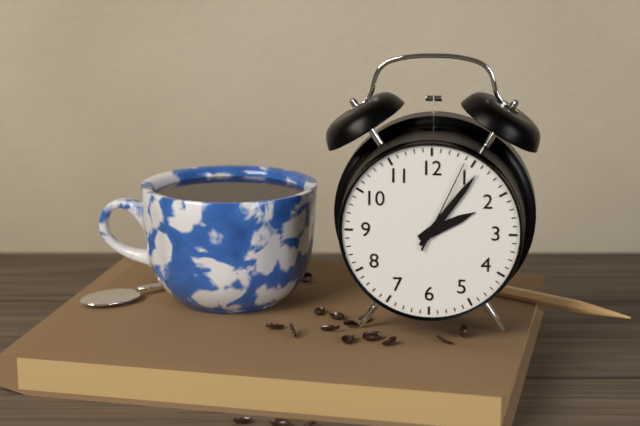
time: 2:06:04
